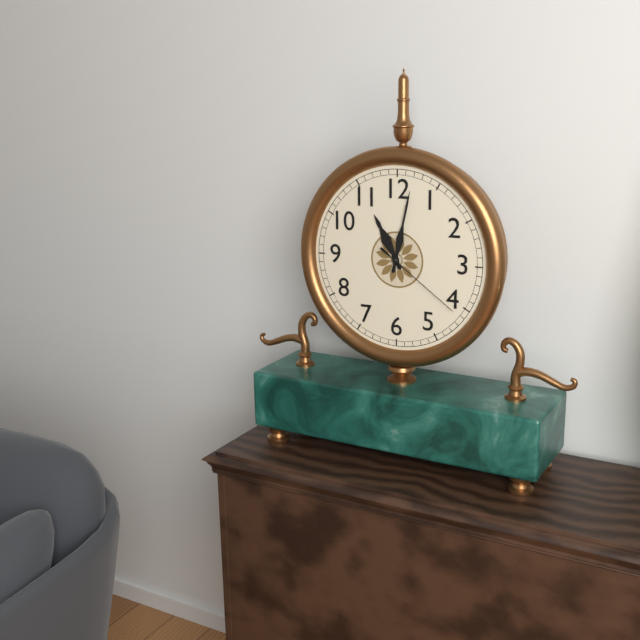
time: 11:02:21
